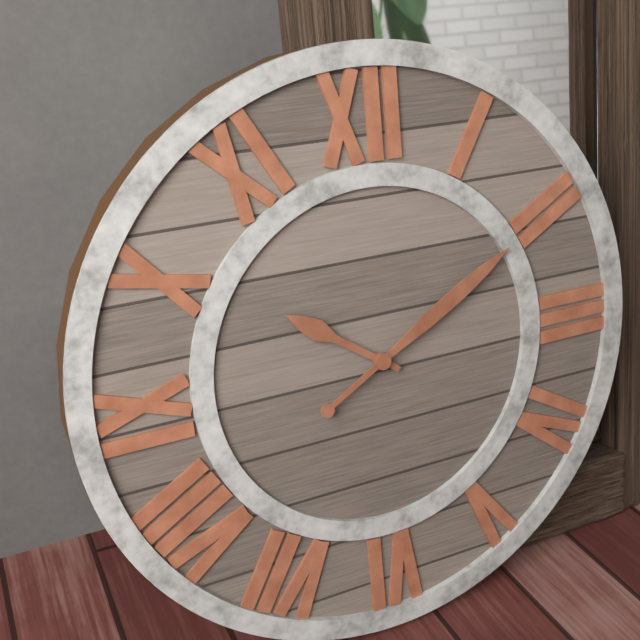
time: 10:10
